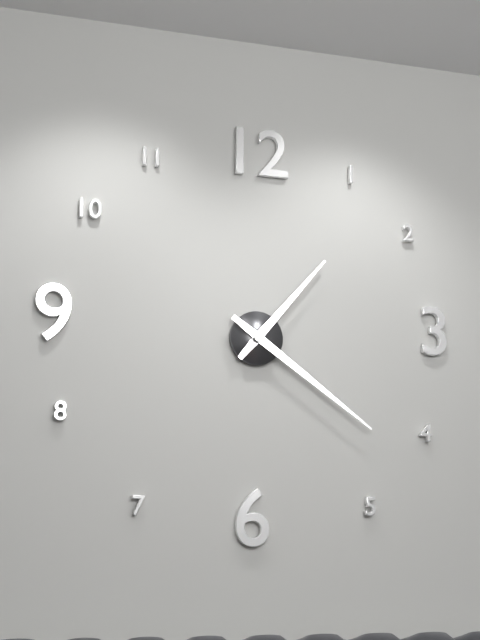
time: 1:21
